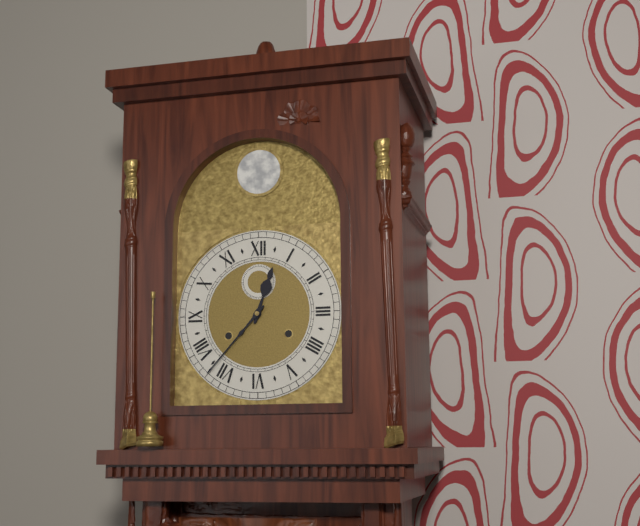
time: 12:37
